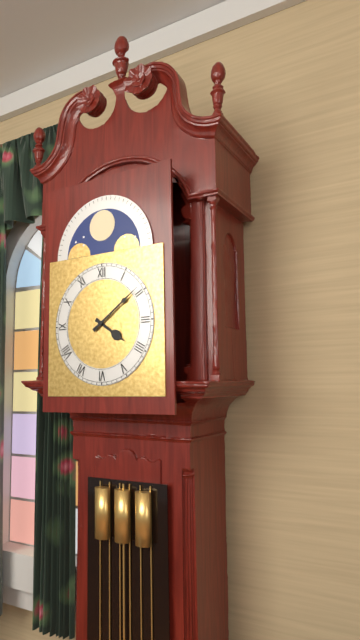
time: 4:09
